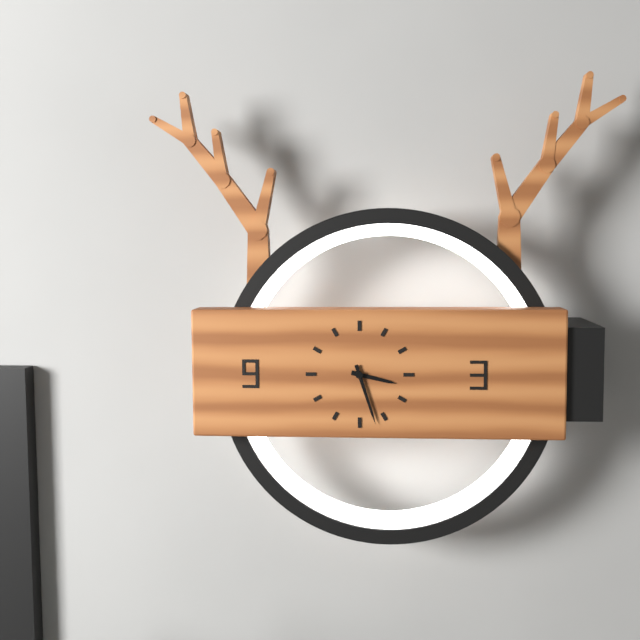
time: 3:27
